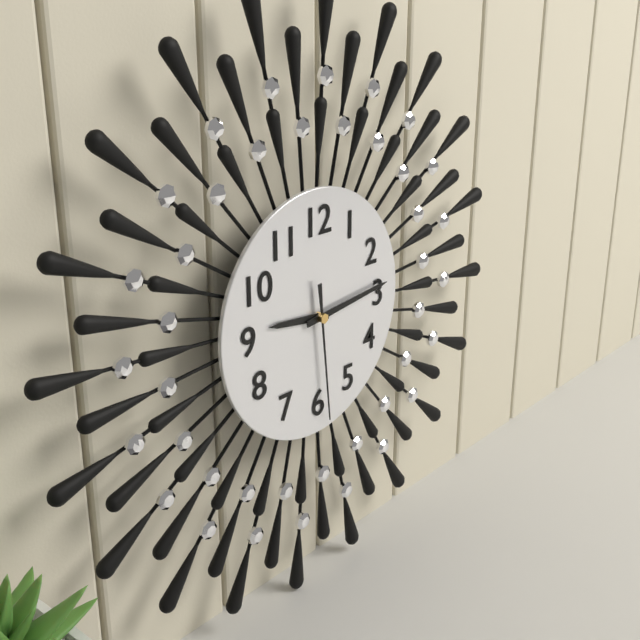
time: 9:14:29
